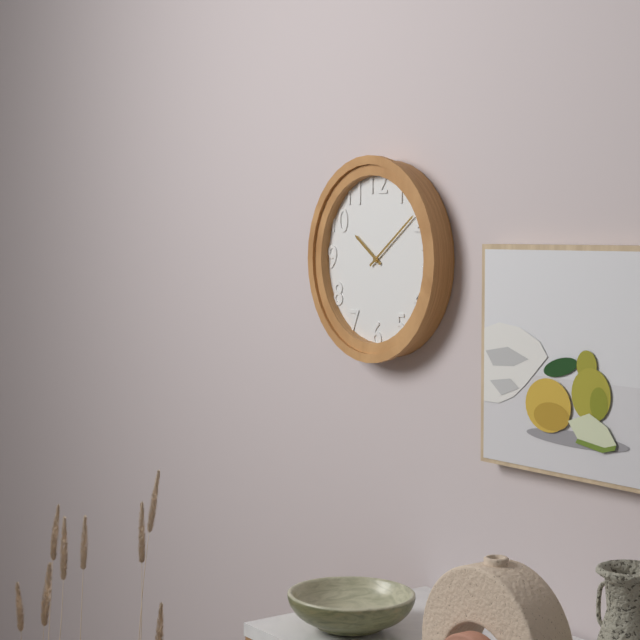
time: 10:09
